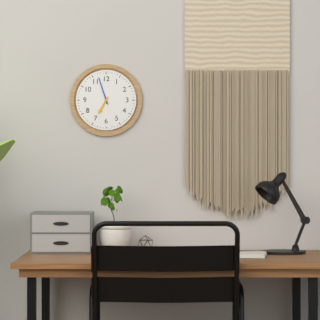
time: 6:57
